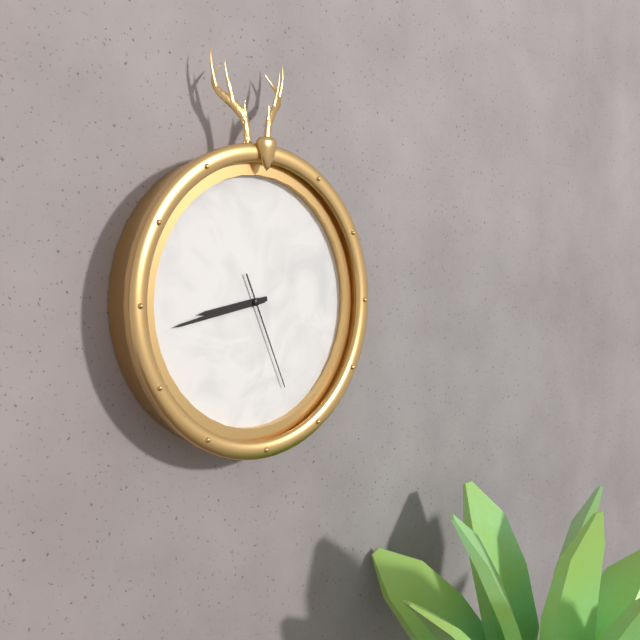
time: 8:43:26
